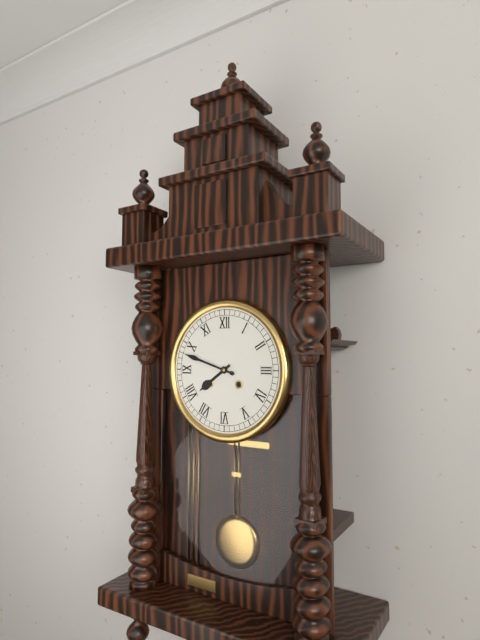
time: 7:48
